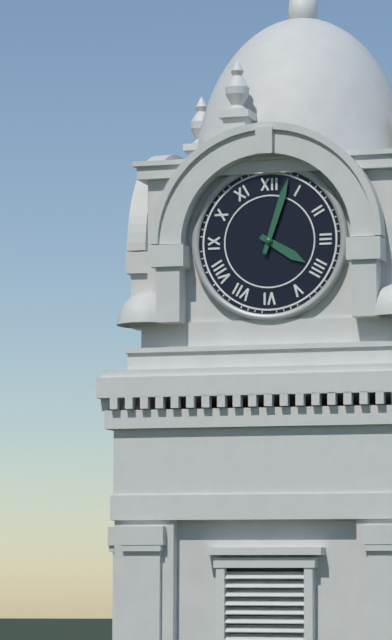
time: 4:03
